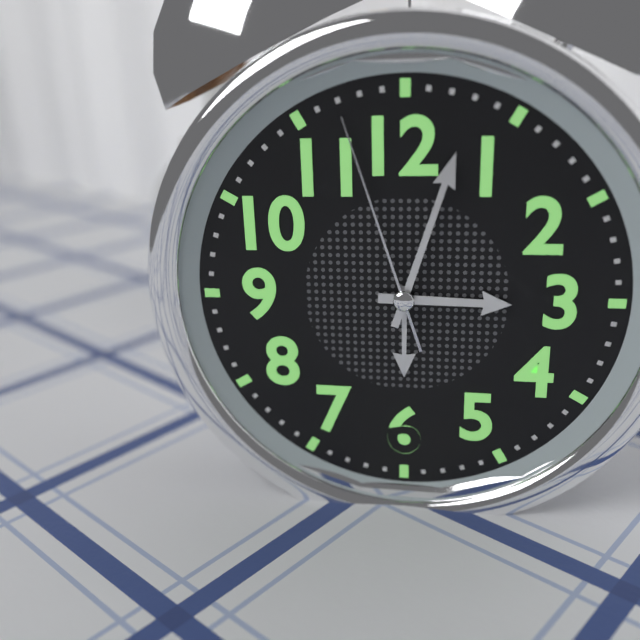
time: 3:03:57
